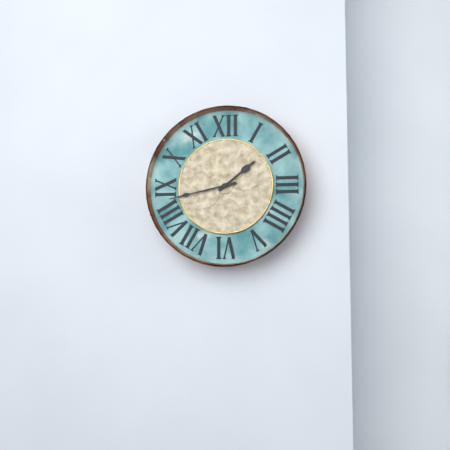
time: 1:43
